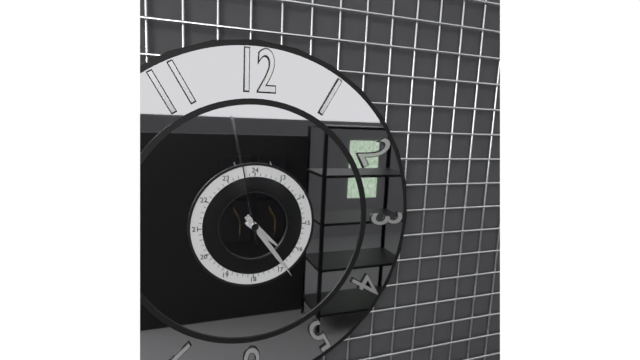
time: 4:24:58
